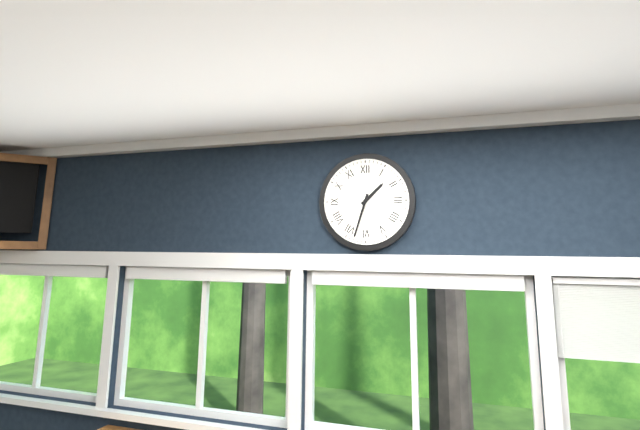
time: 1:33
